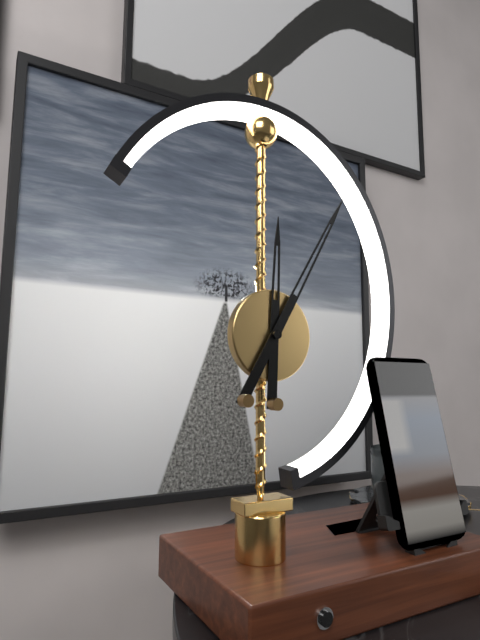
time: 12:05
